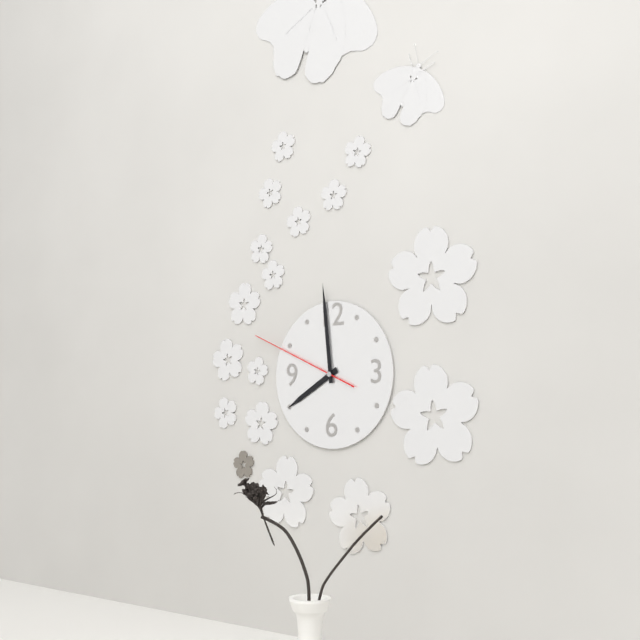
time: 7:59:49
